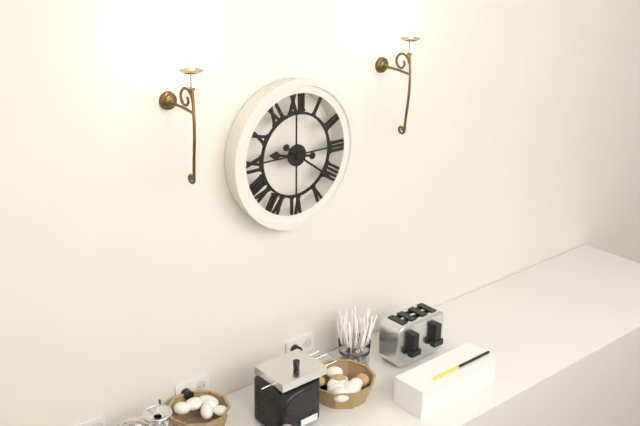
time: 9:21
